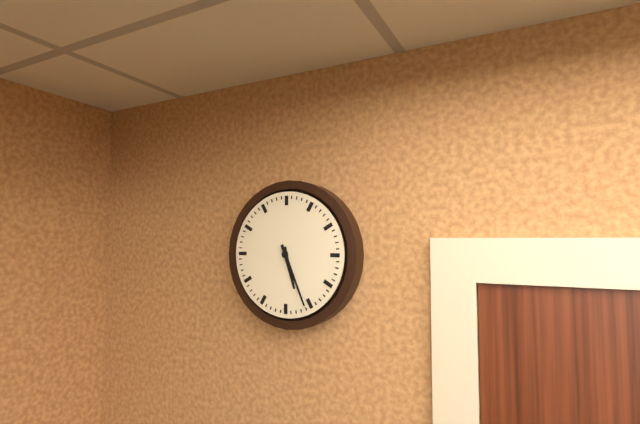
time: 5:26
